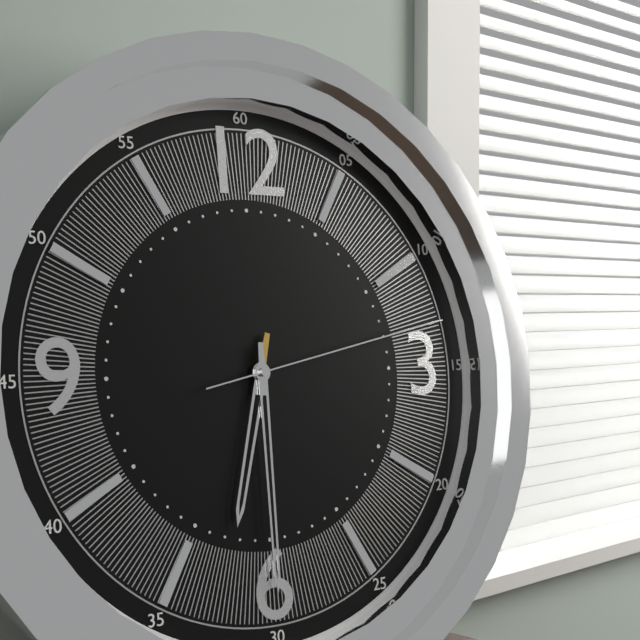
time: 6:30:13
